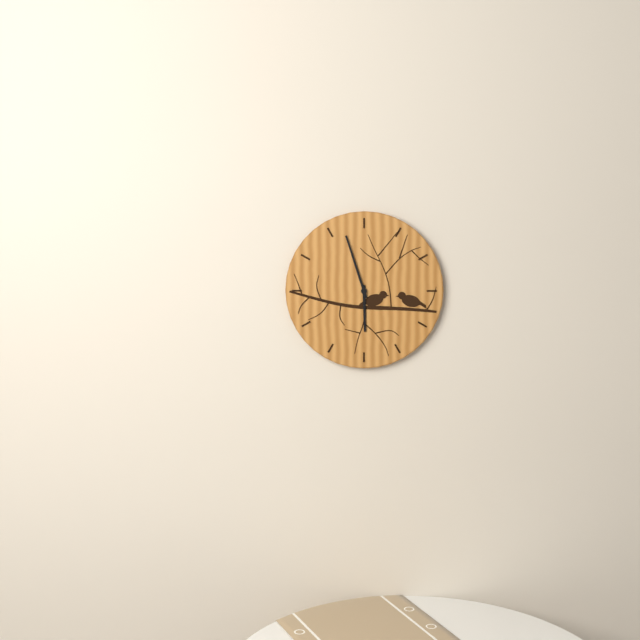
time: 5:57
